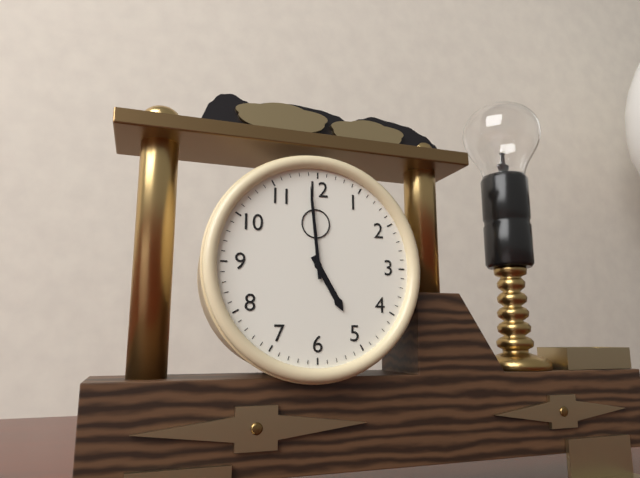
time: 4:59
